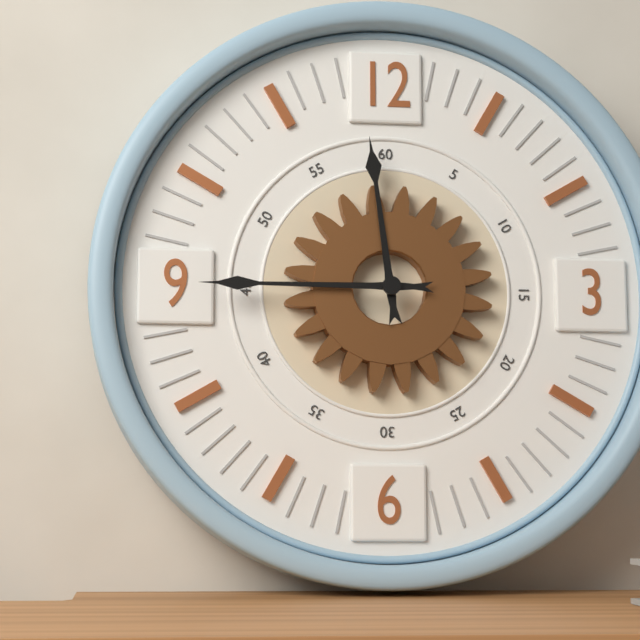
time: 11:45
